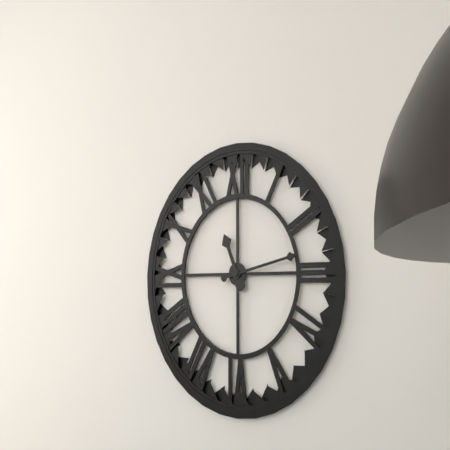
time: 11:13
